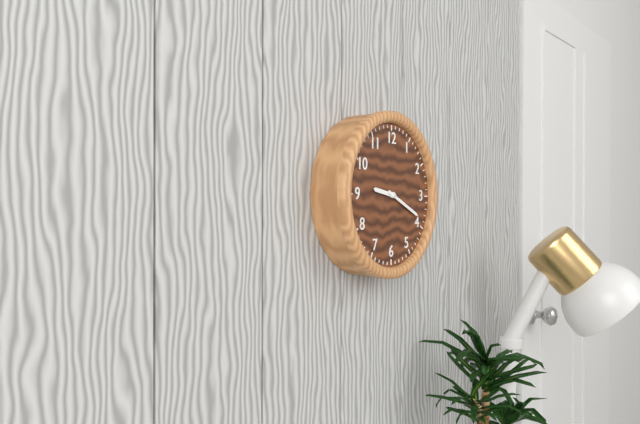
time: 9:19
